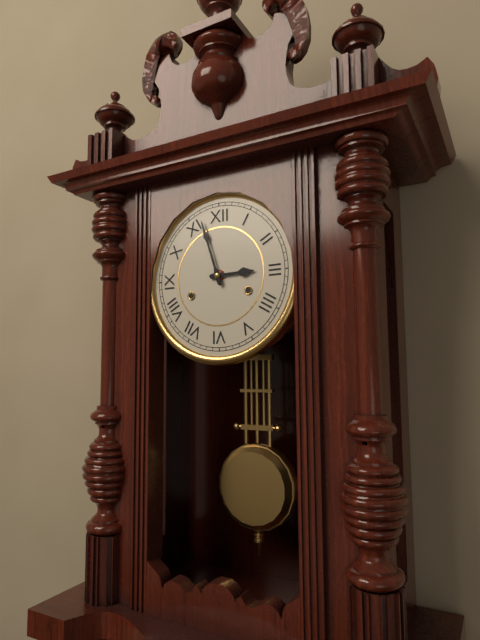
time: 2:57
